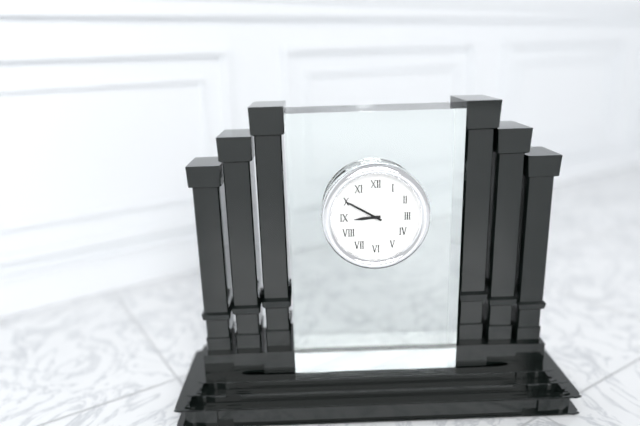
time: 8:50
